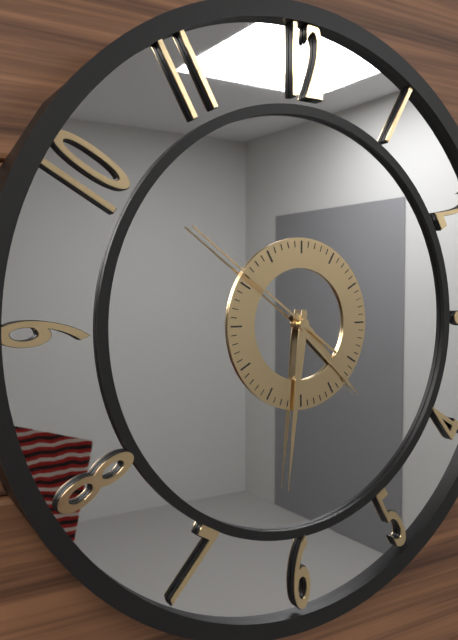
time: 4:31:51
